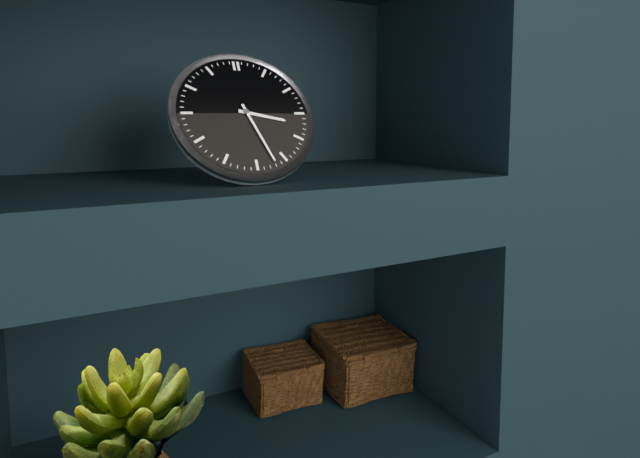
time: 3:27
